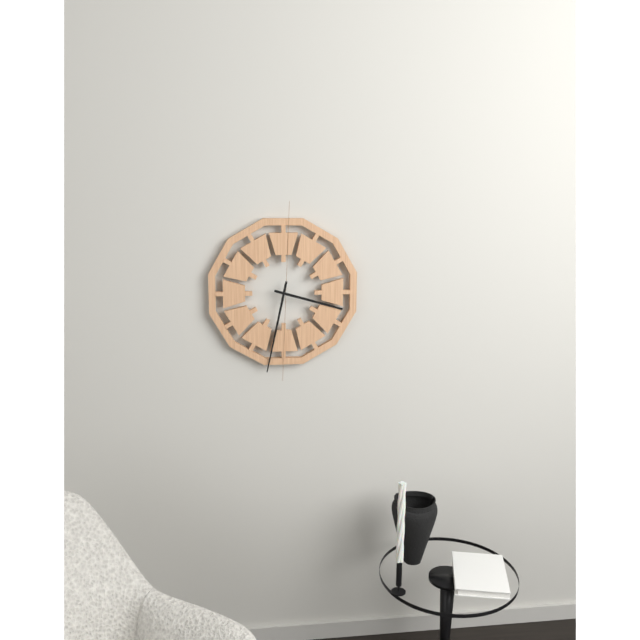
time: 3:32
